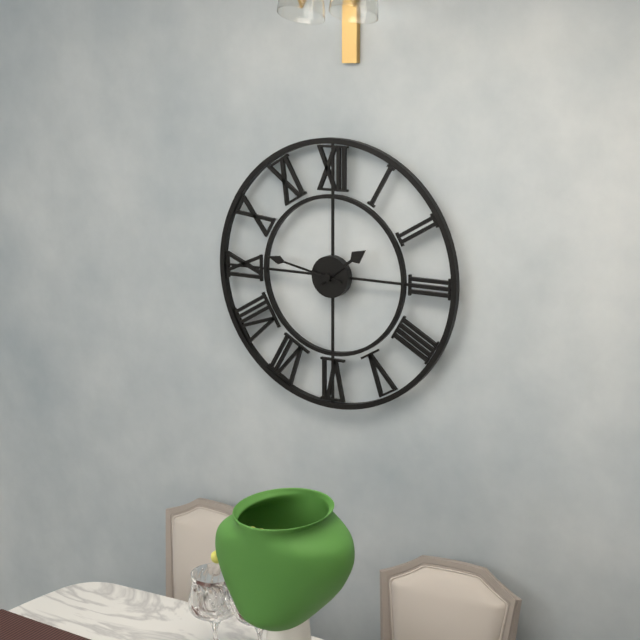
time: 1:47
